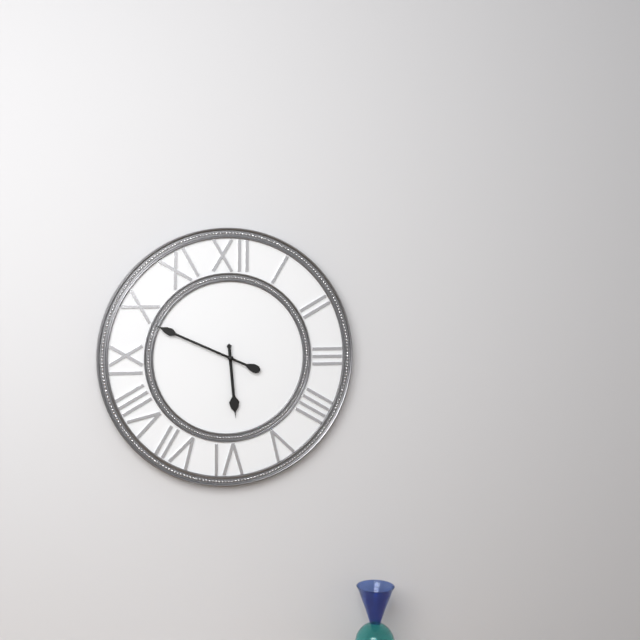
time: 5:49
